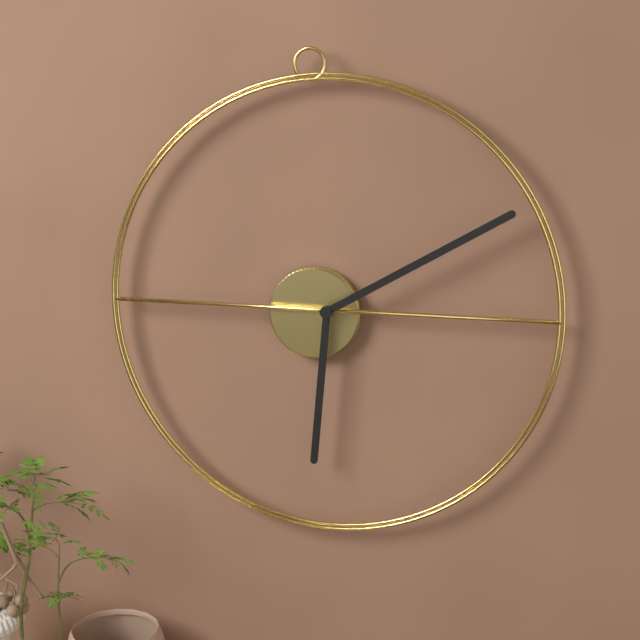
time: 6:10
